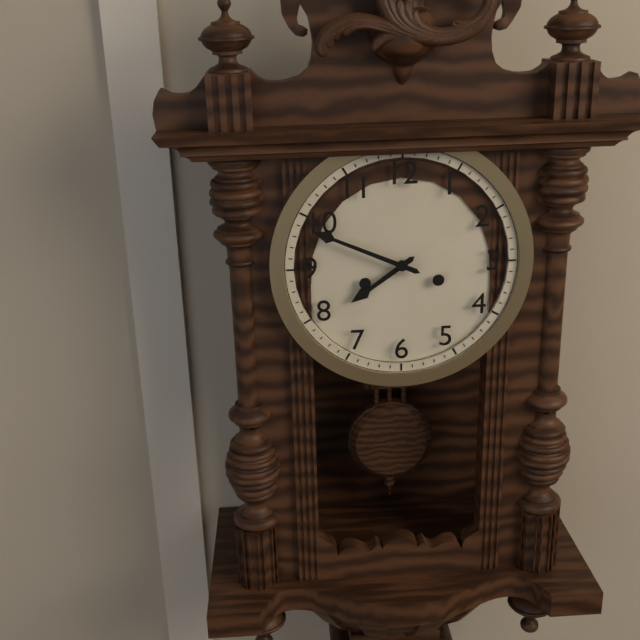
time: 7:49
